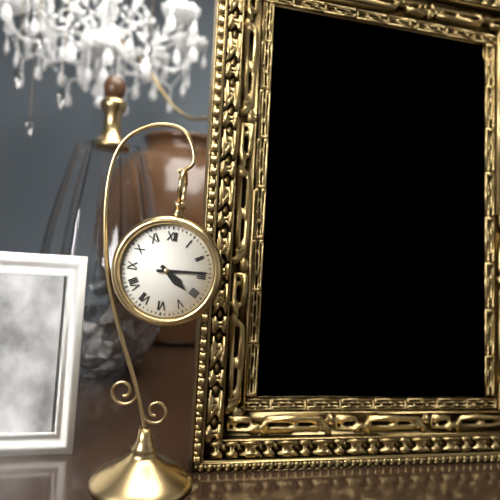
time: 4:14
